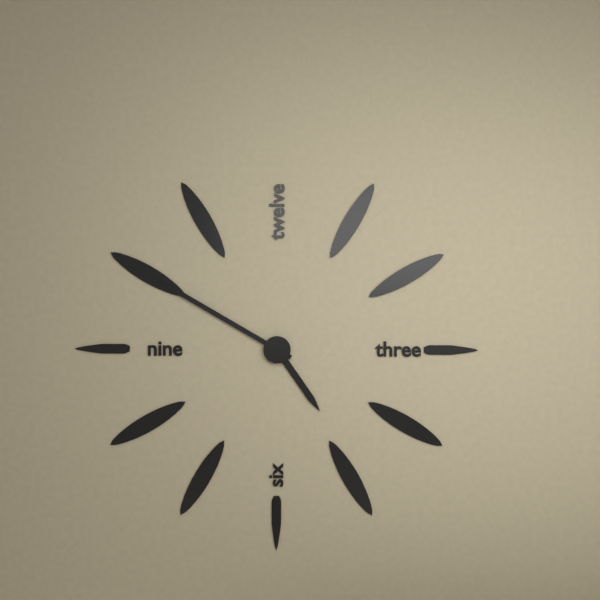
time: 4:50
